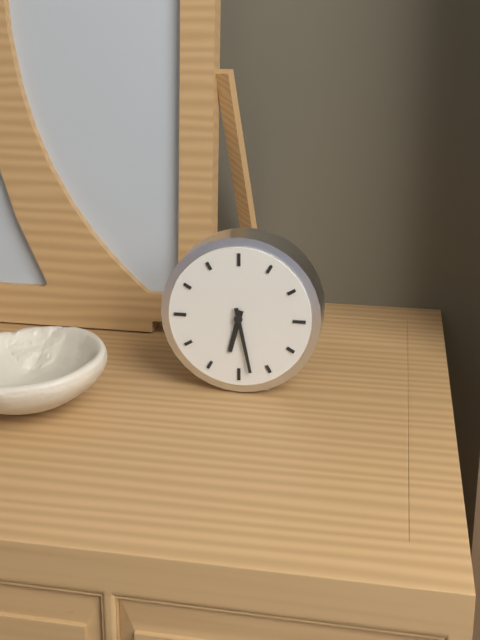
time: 6:28
